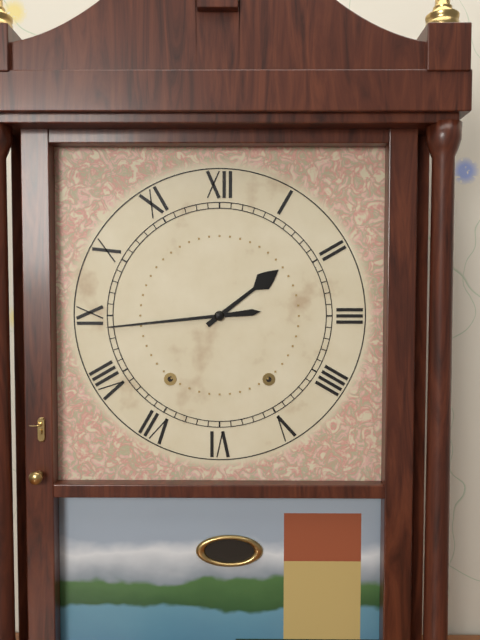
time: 1:44
